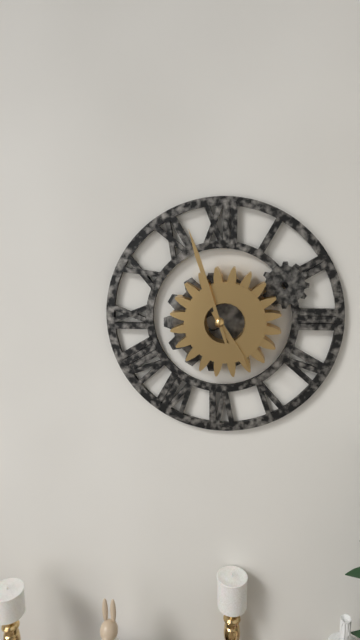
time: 4:57
